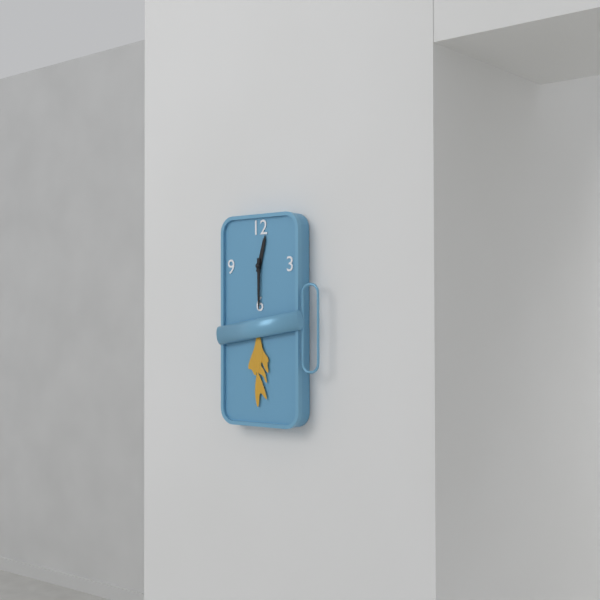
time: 12:30
